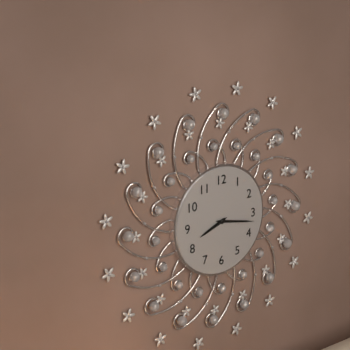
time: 8:17
